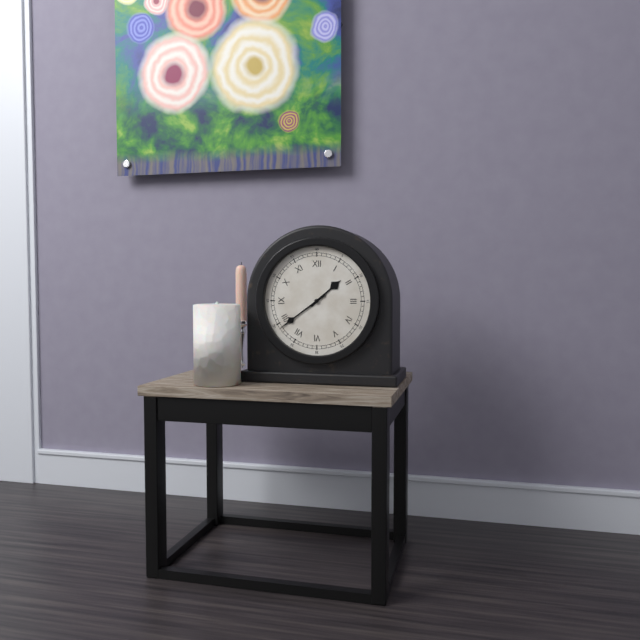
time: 1:39
